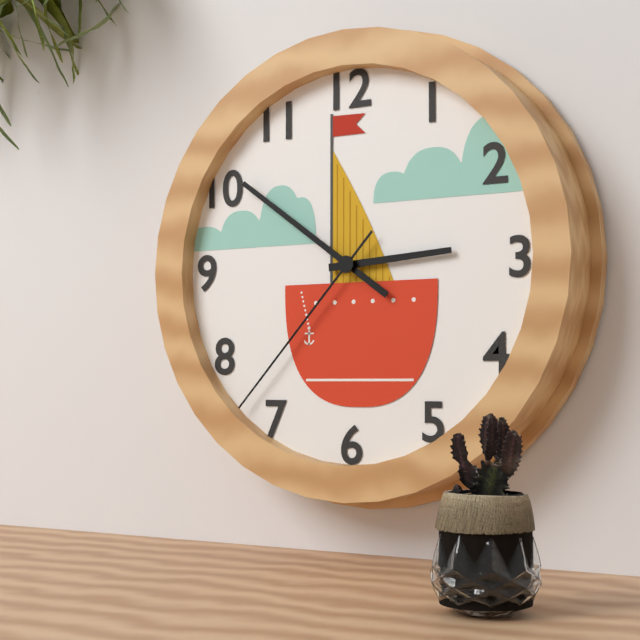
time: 2:51:37
